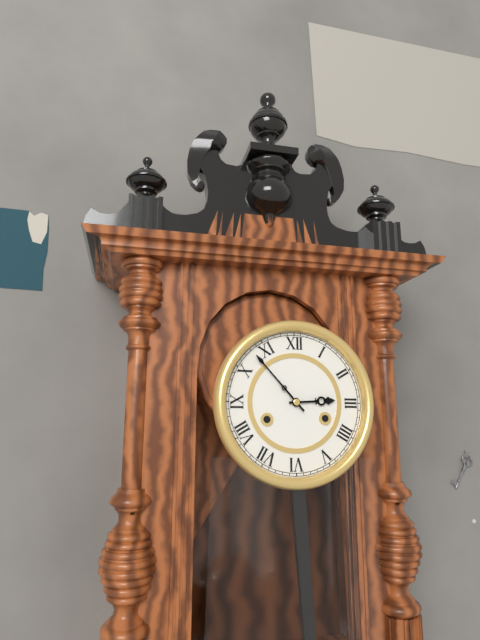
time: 2:53
